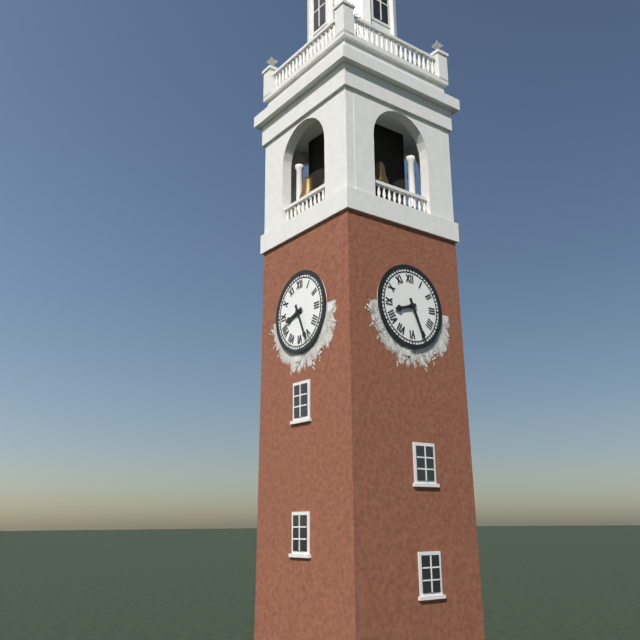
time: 8:26
